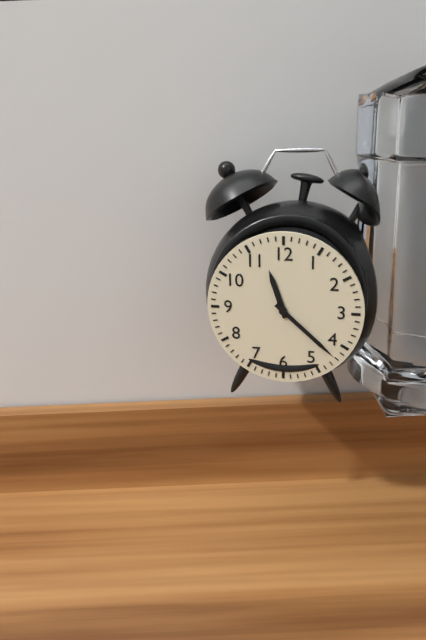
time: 11:22
